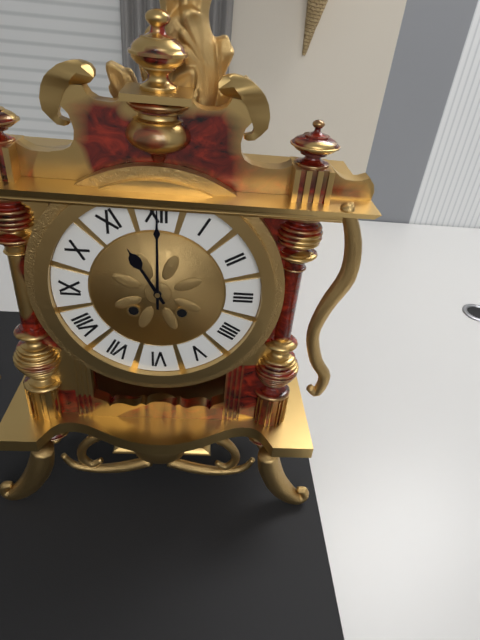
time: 11:00
